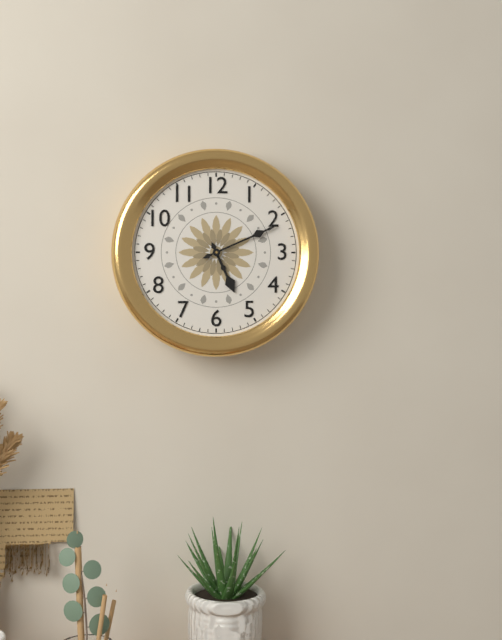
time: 5:11
